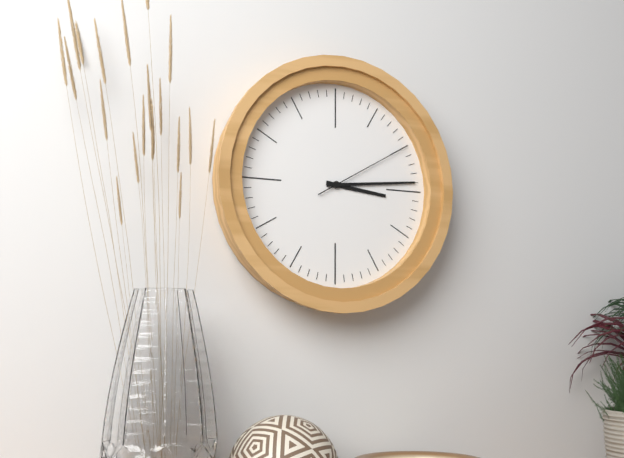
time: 3:14:10
